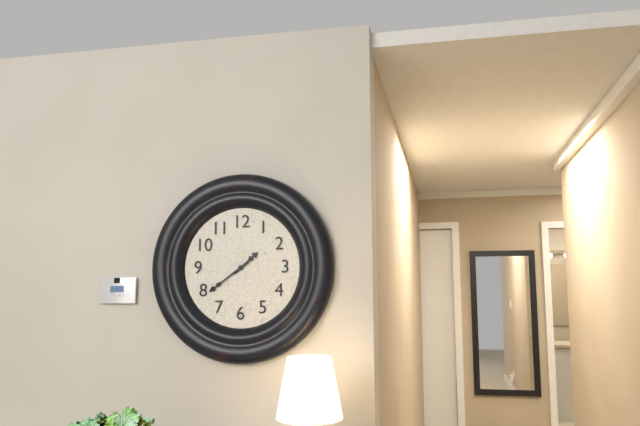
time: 1:39
